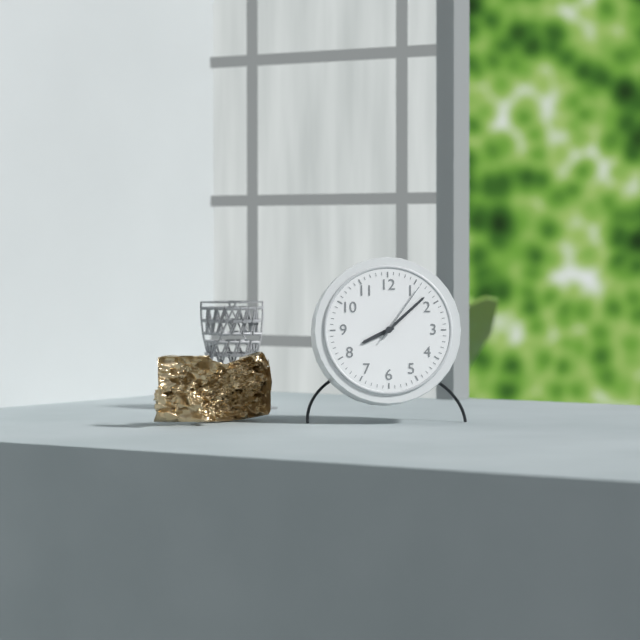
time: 8:08:06
